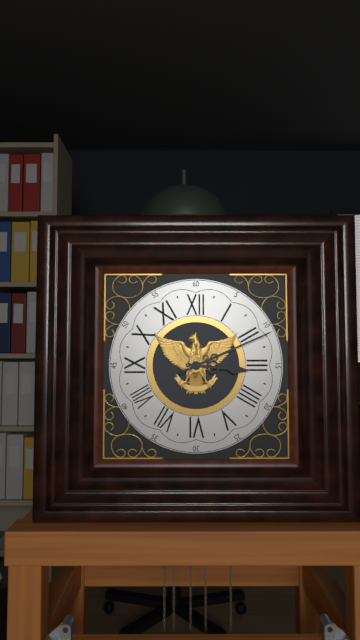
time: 3:11
